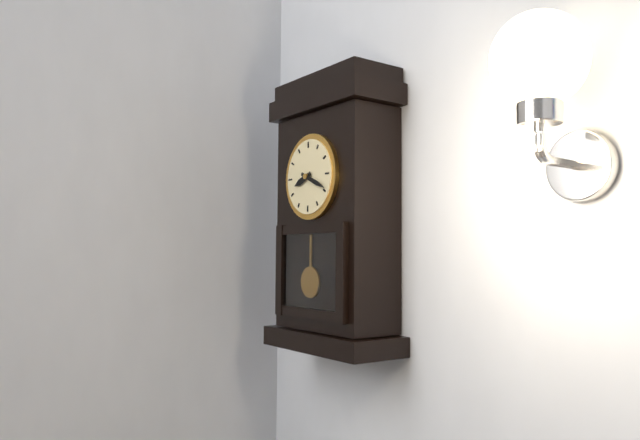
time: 8:19
